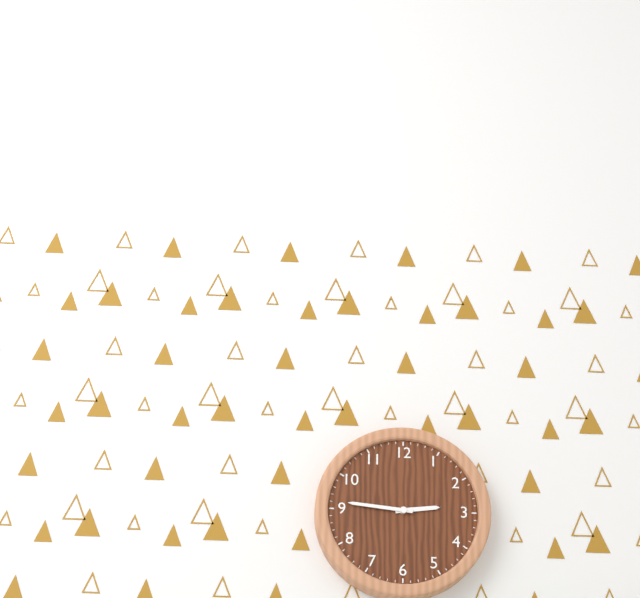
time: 2:46
